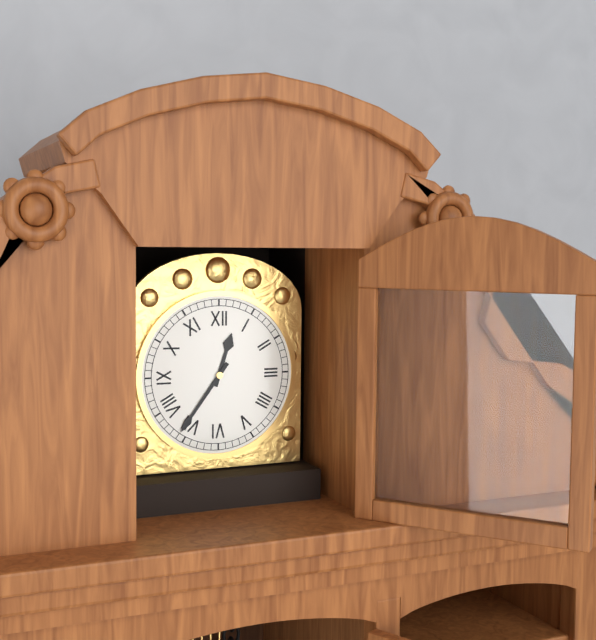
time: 12:36
